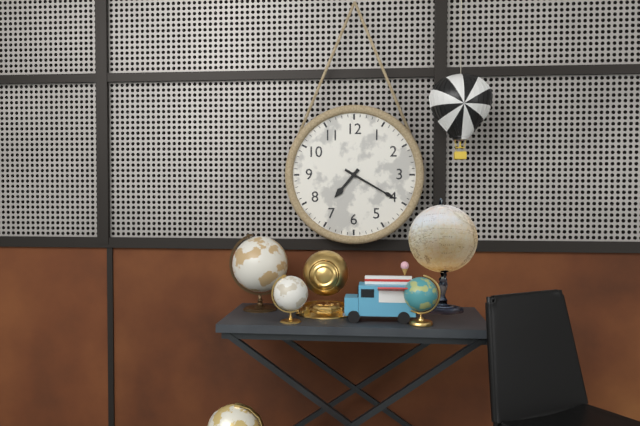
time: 7:20
